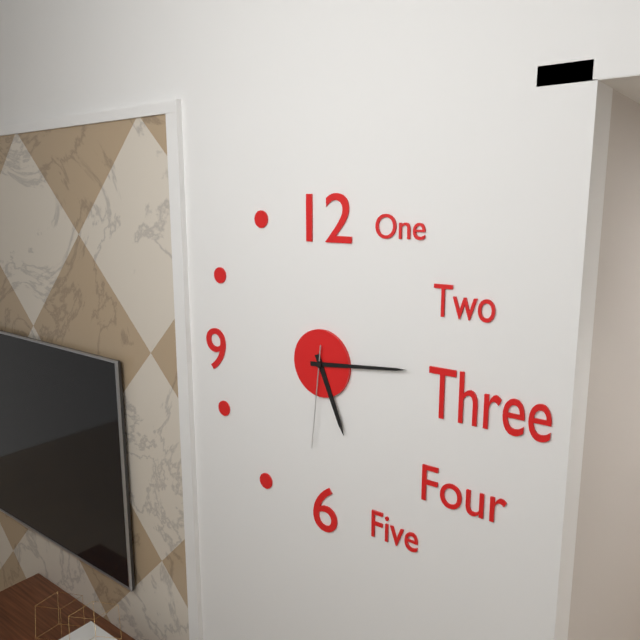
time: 5:14:31
